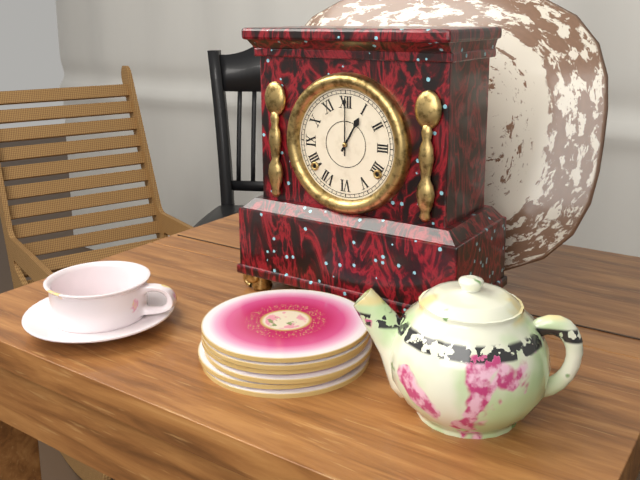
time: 1:00
